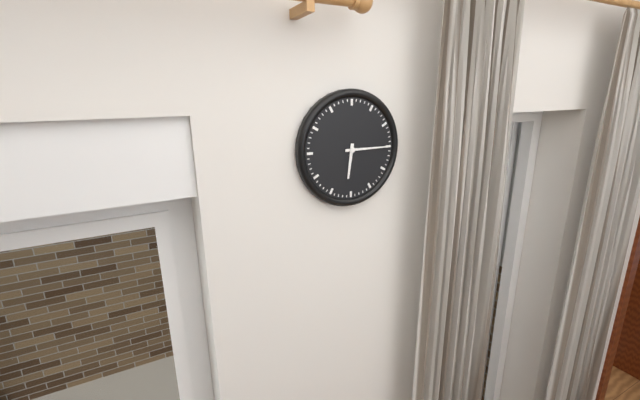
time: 6:15
